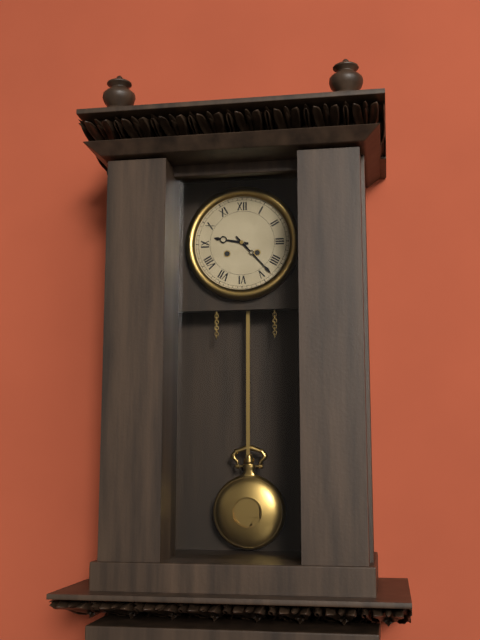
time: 9:23
